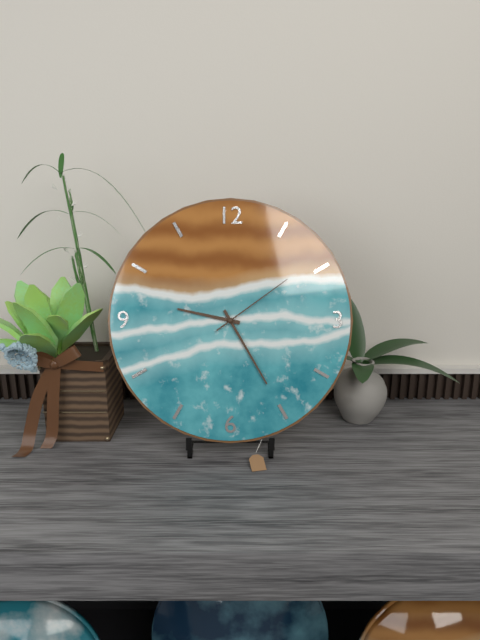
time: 9:25:09
